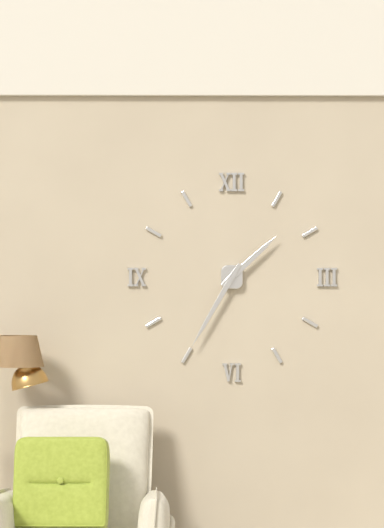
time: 1:35
